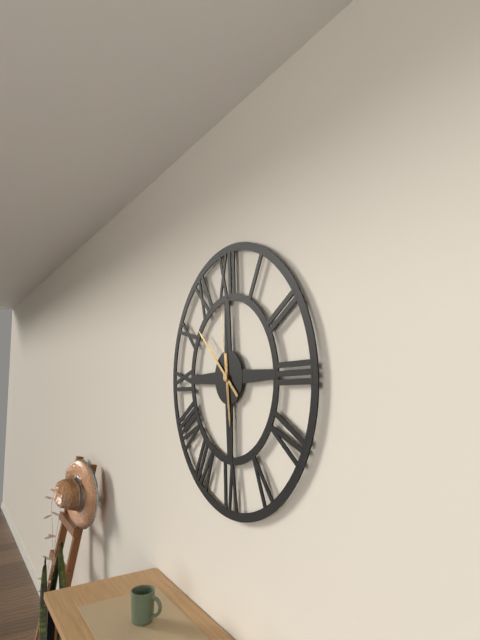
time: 5:52:59
